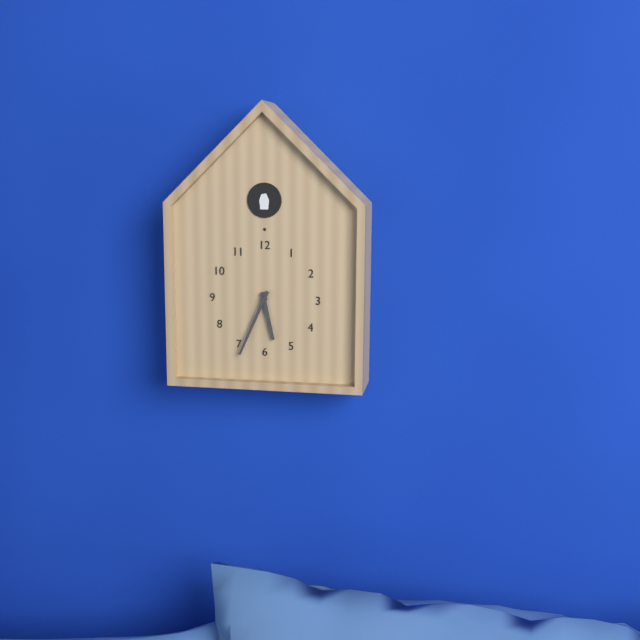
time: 5:34
